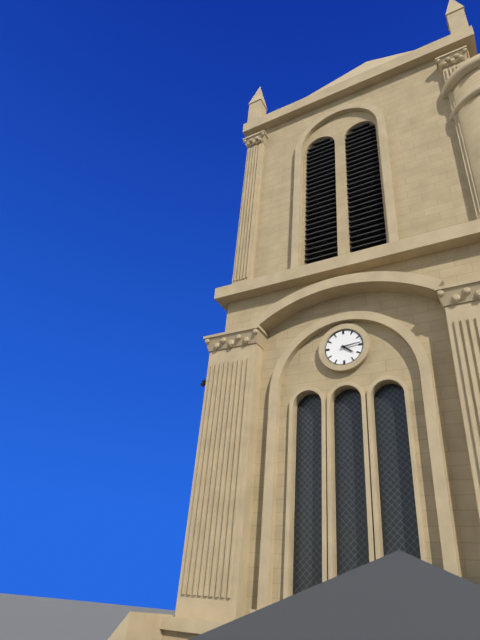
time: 4:14
